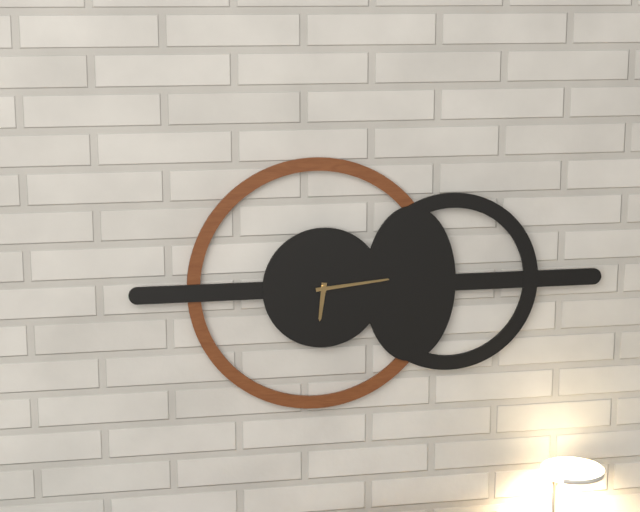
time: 6:14
